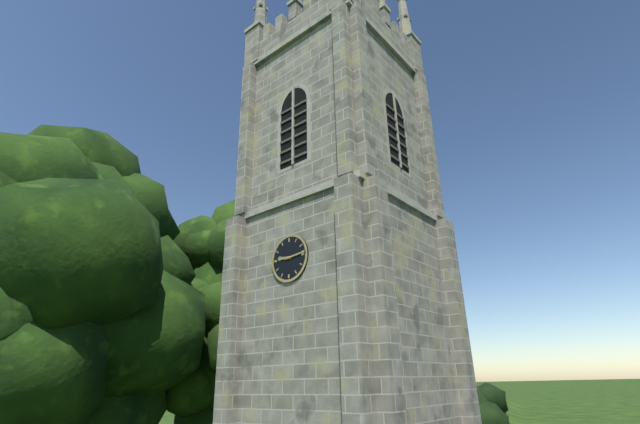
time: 9:14
